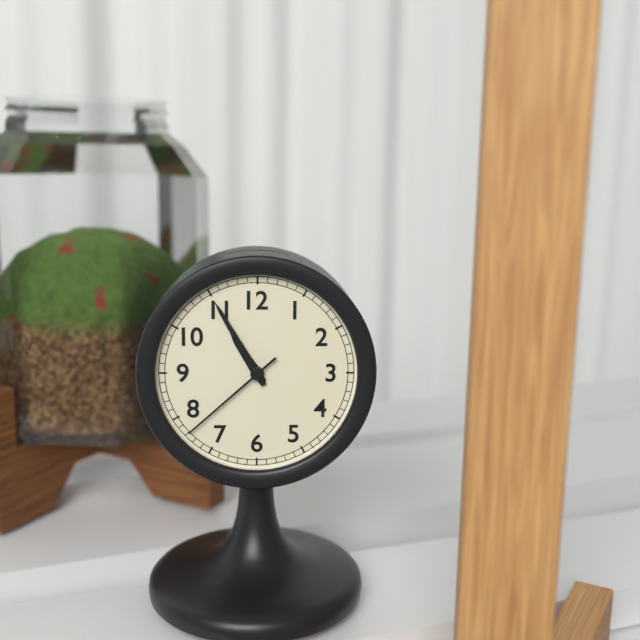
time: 10:55:38
